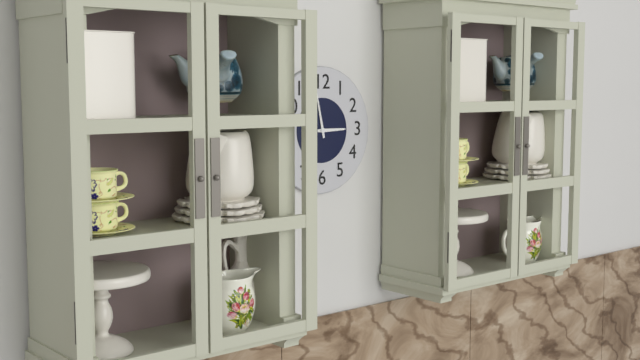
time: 2:58
